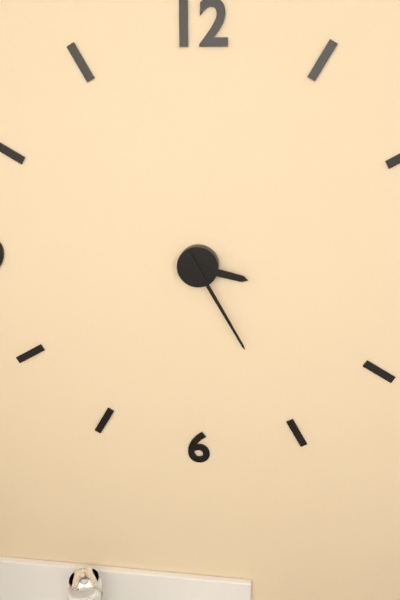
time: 3:25
